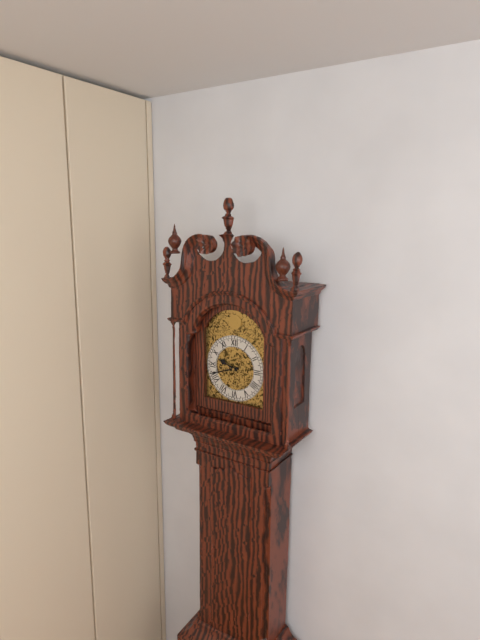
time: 9:42
